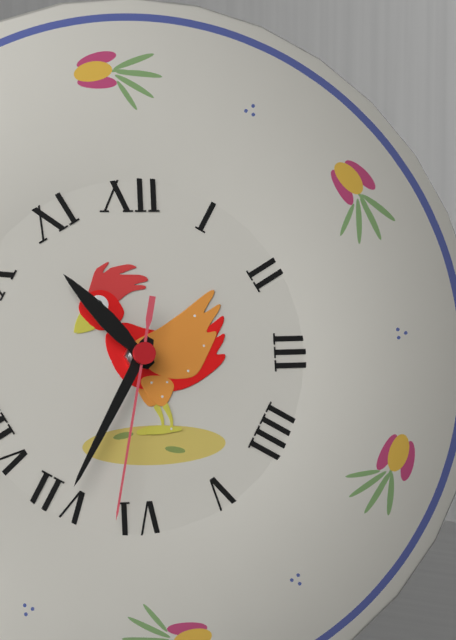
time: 10:35:32
